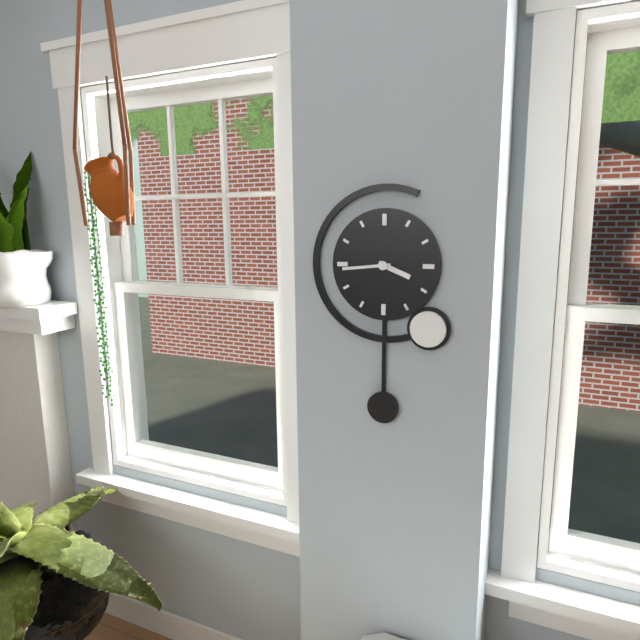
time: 3:44
